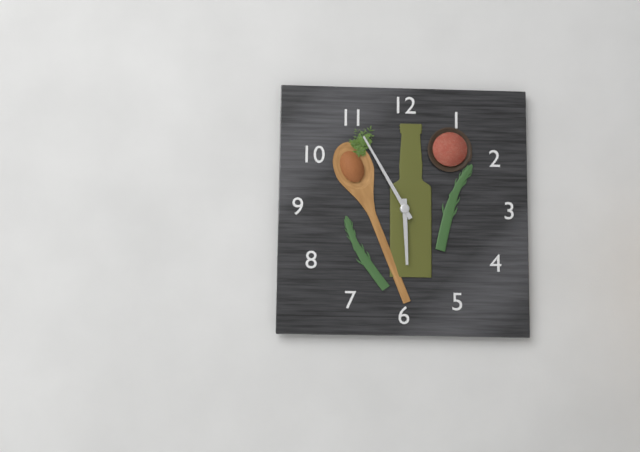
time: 5:55
